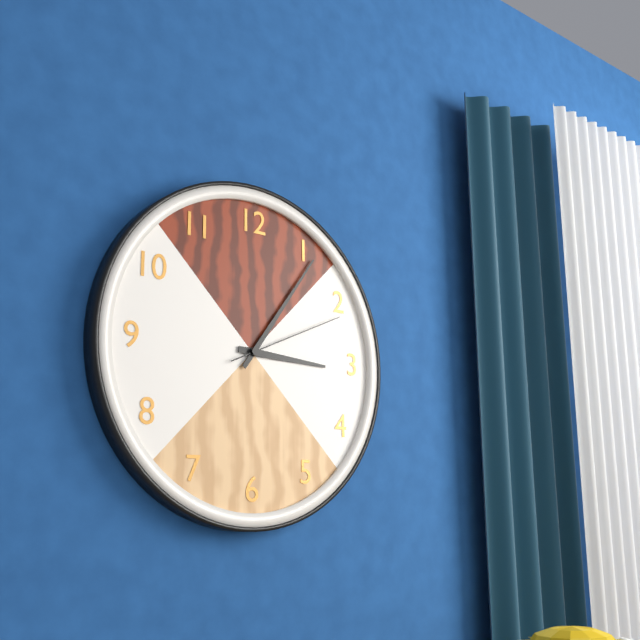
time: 3:06:11
